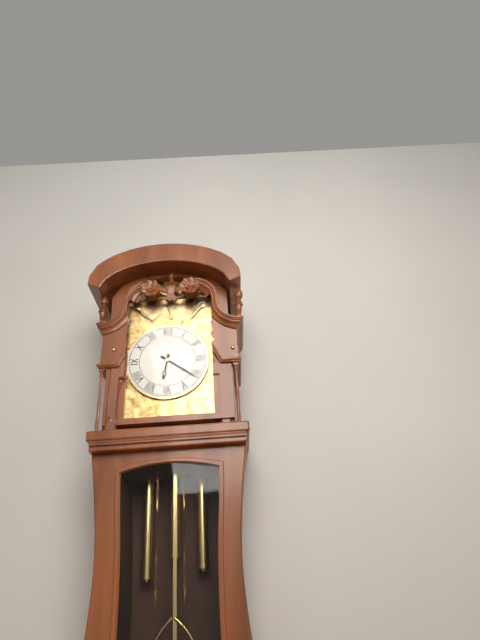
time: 6:21
